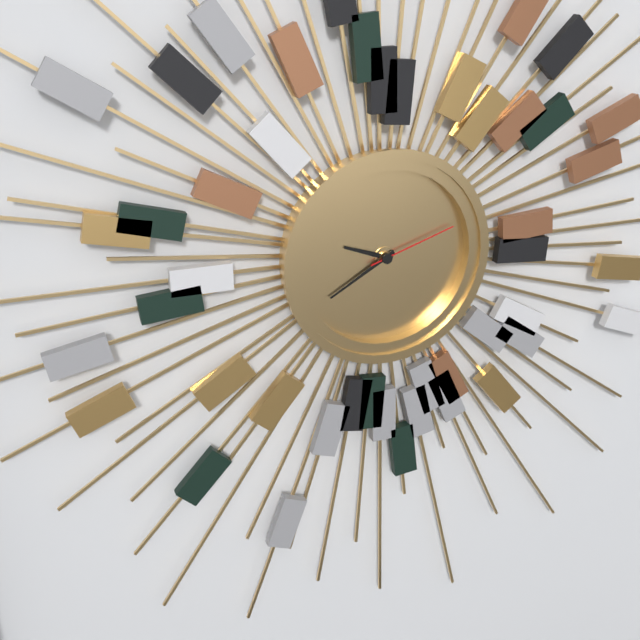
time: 9:40:12
